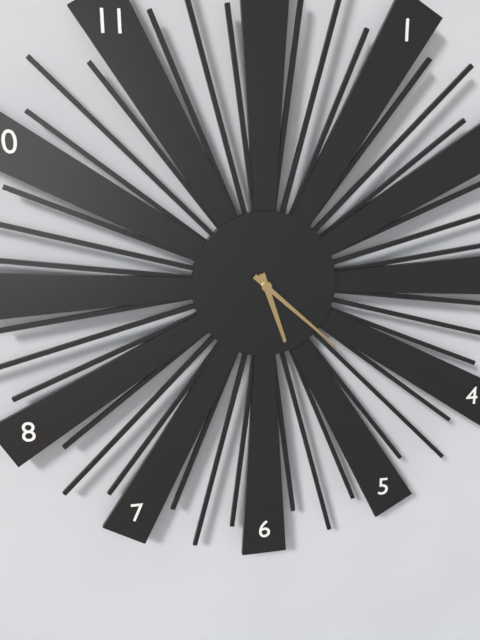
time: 5:22
